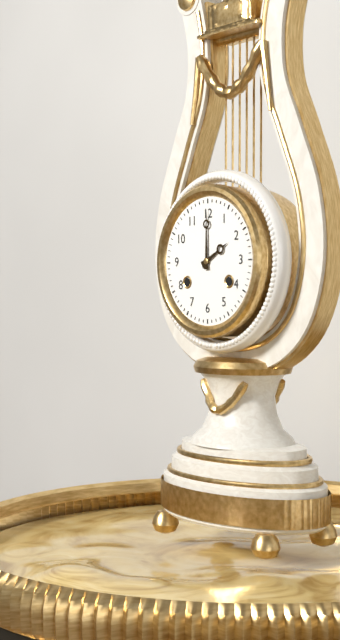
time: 2:00
